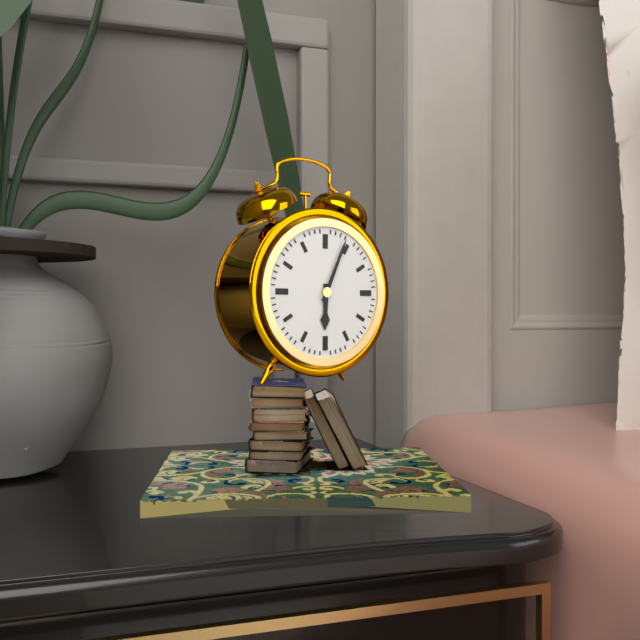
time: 6:04
